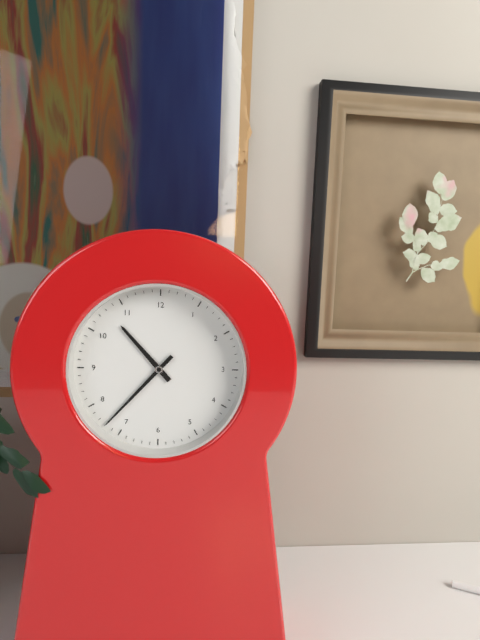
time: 10:37
